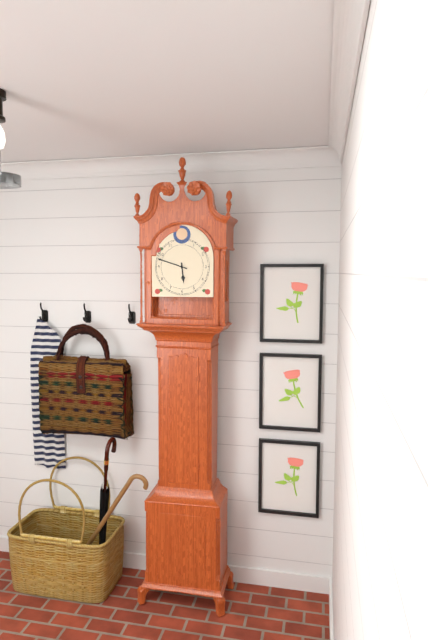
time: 5:48
